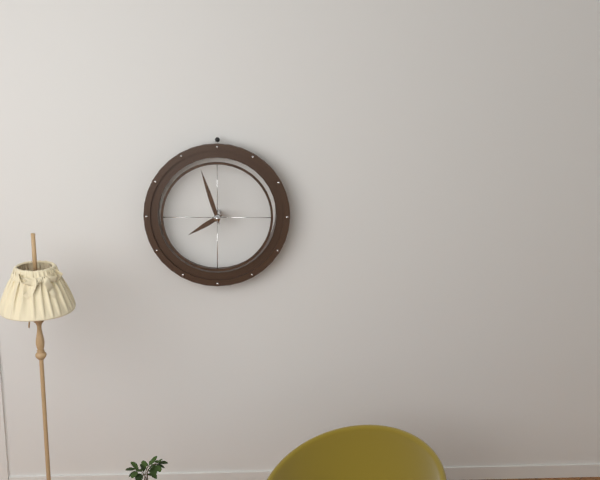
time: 7:57
